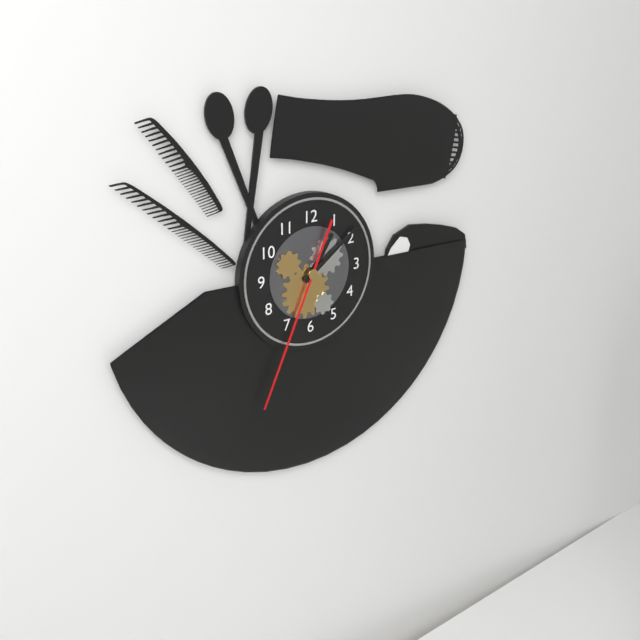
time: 1:09:34
